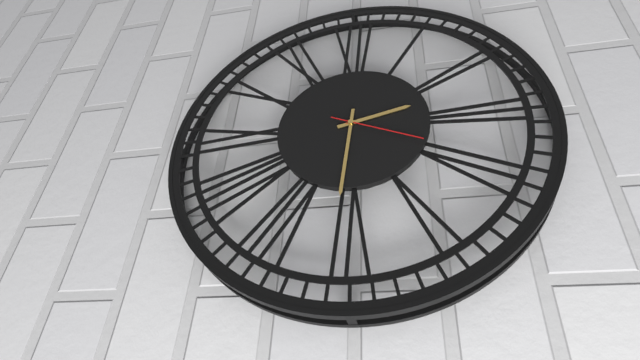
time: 2:31:19
